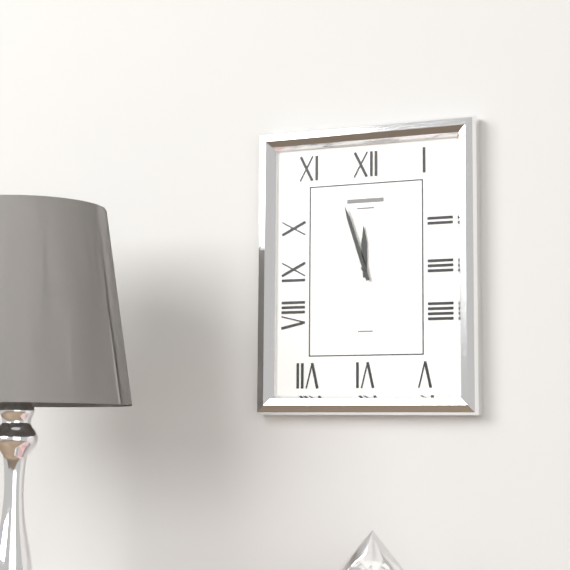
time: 11:57
